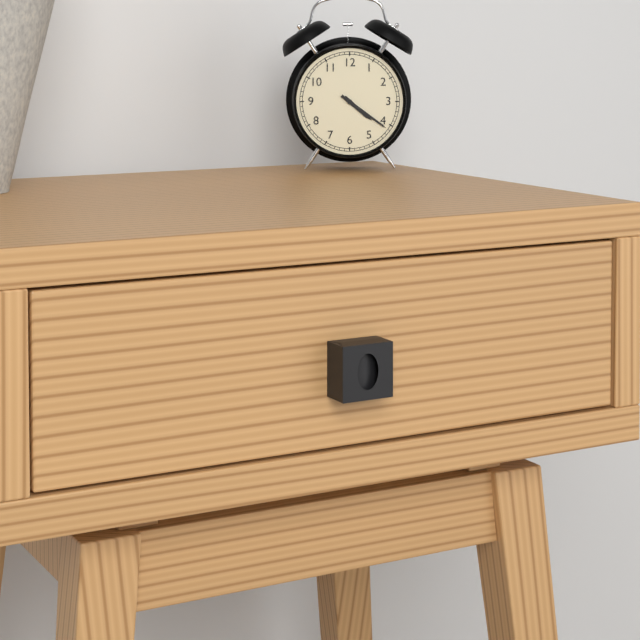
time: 4:21
